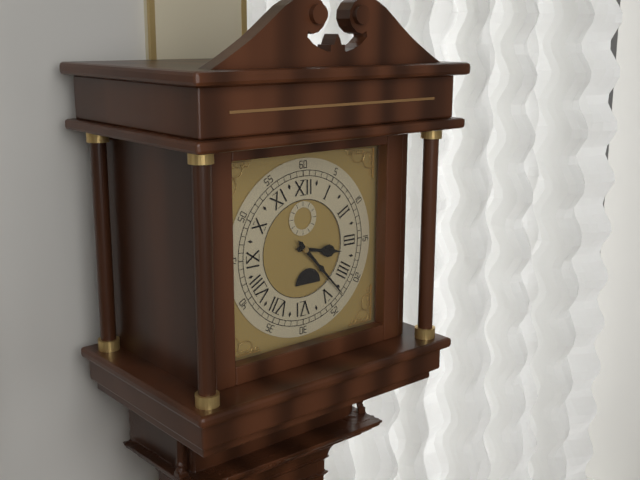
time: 3:23
